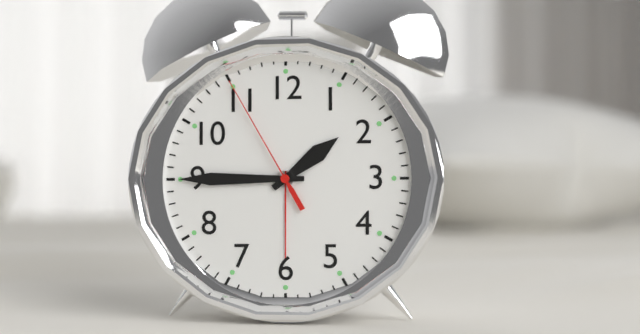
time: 1:45:55
